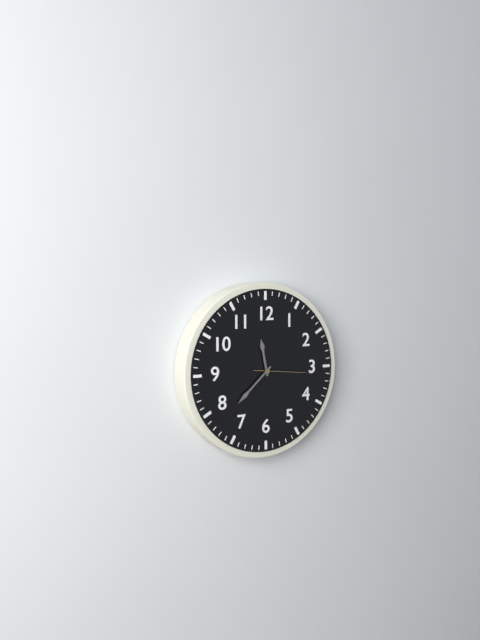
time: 11:38:16
